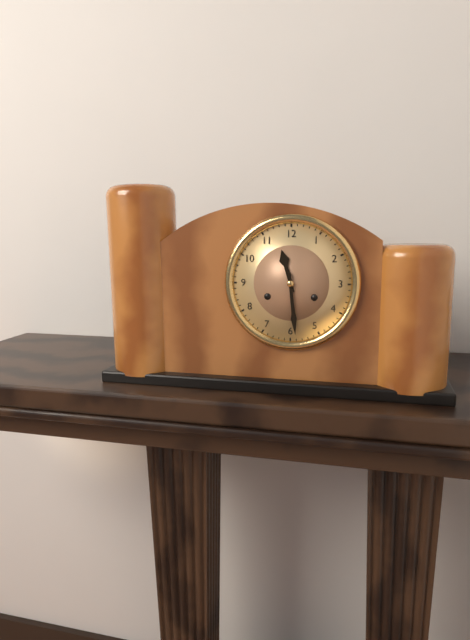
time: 11:29
